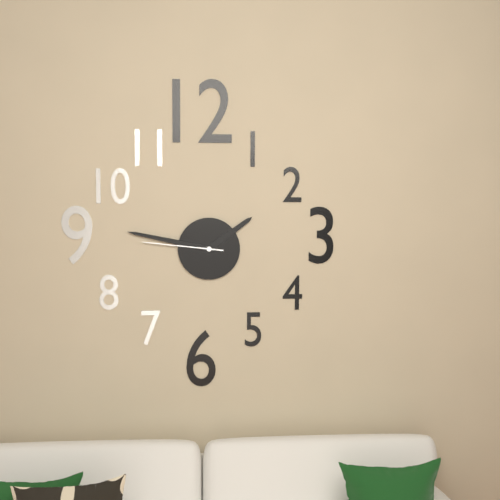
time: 1:47:46
